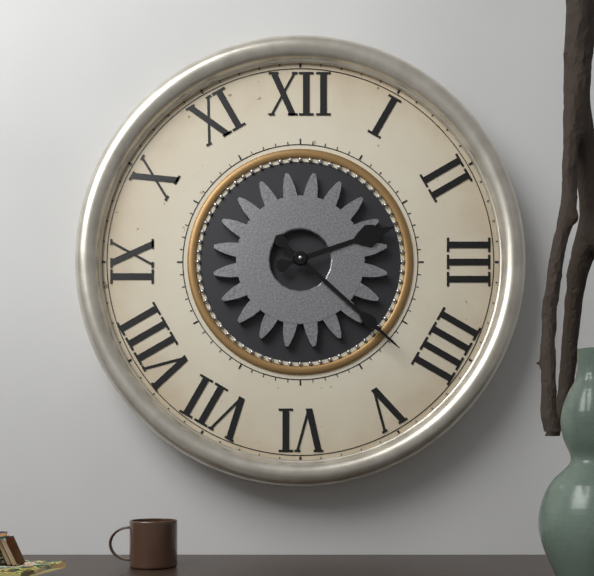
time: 2:22
